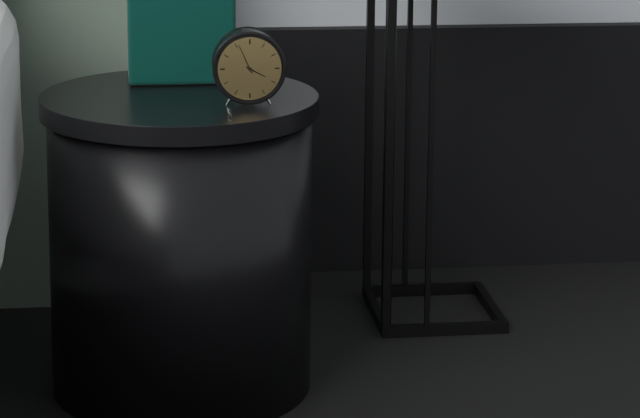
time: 3:56
